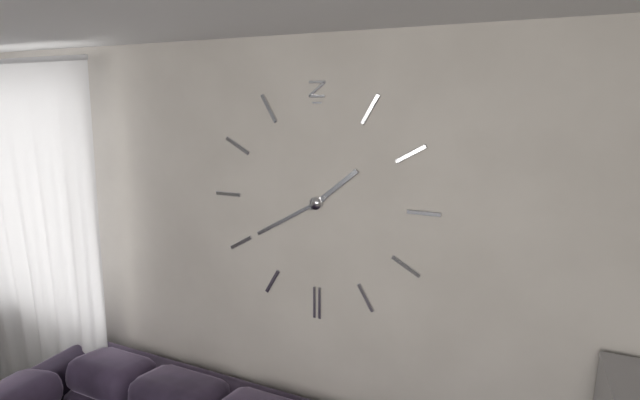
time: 1:40
